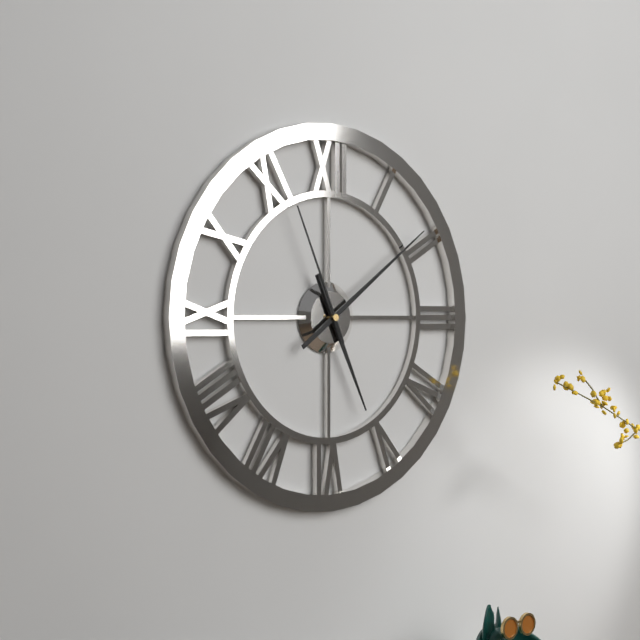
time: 5:09:56
